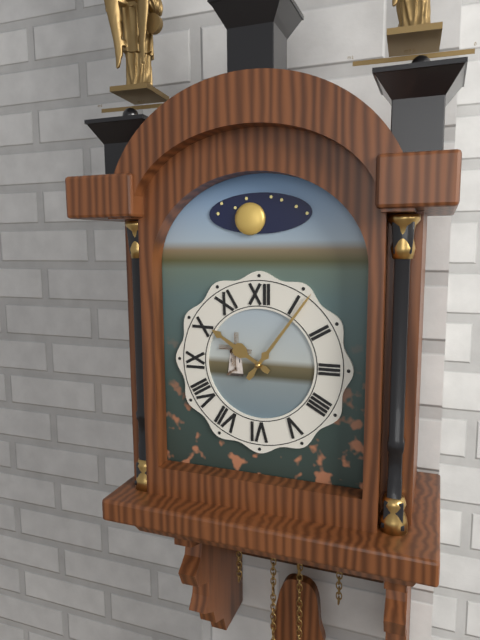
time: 10:06
